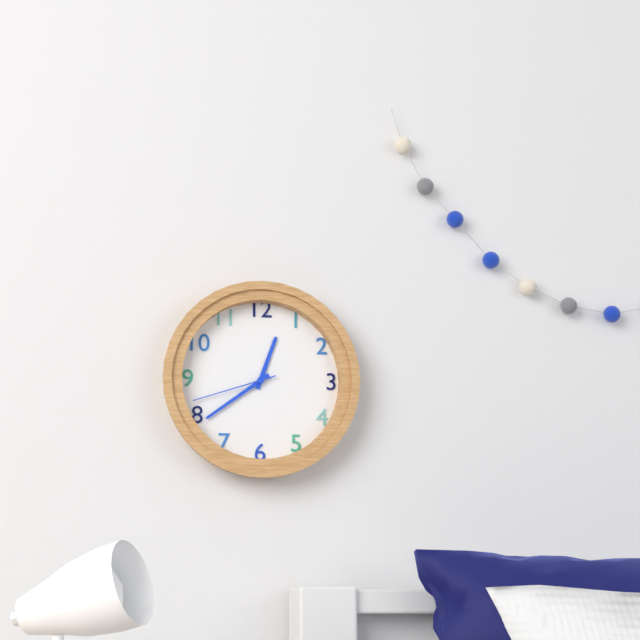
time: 12:39:42
